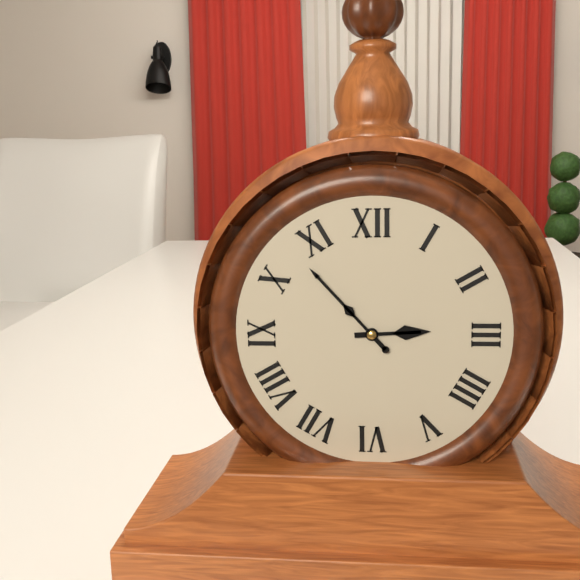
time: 2:53
